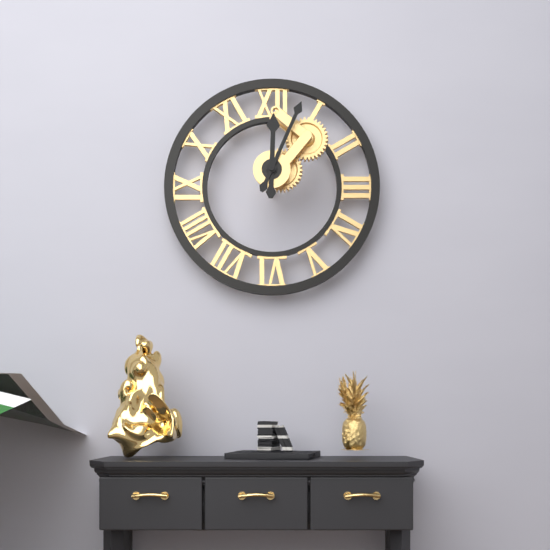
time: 12:04
